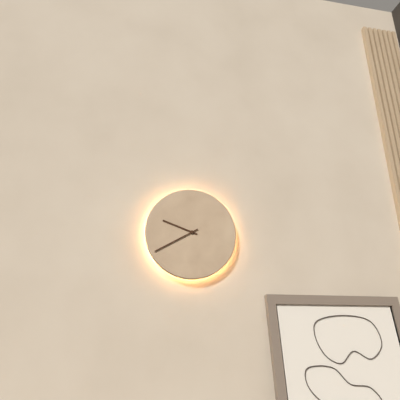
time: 9:40
